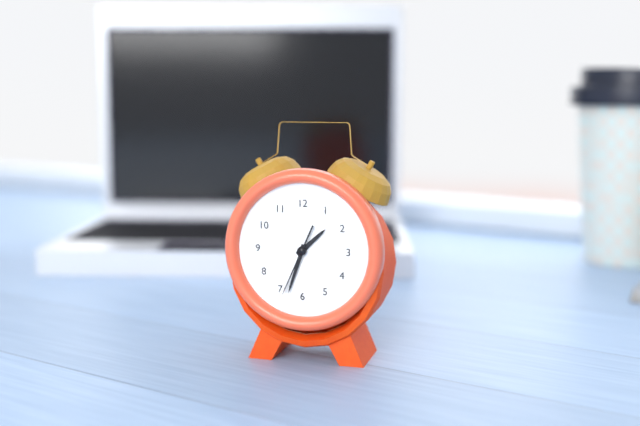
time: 1:33:34
